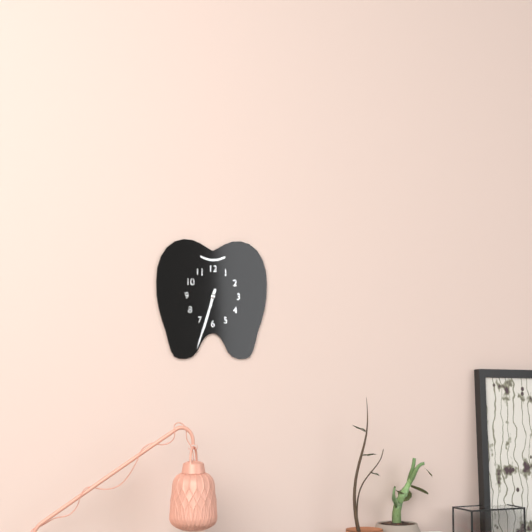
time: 6:33
